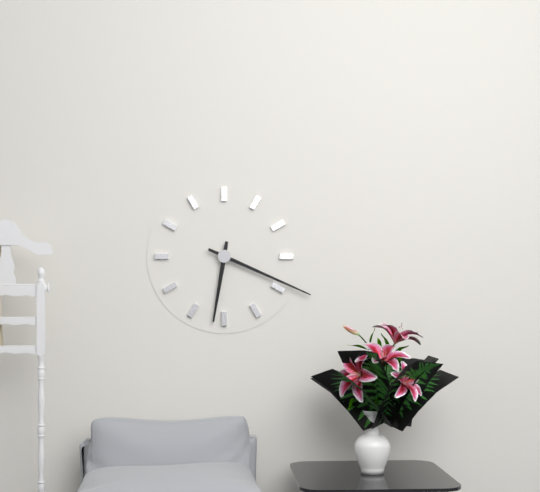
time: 6:19
